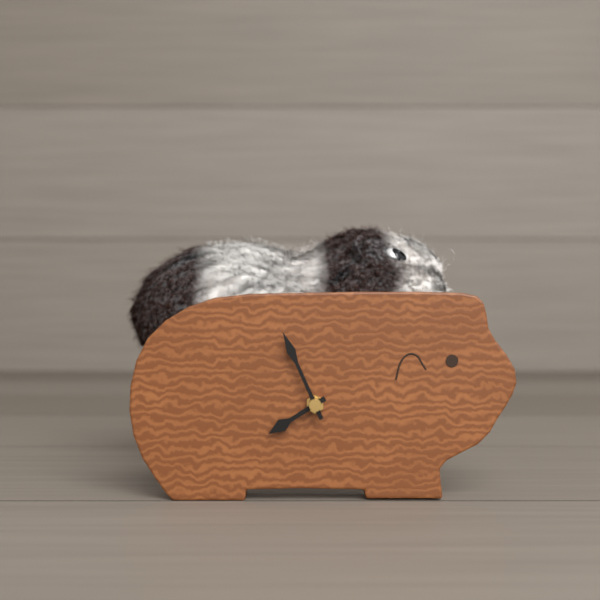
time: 7:56
